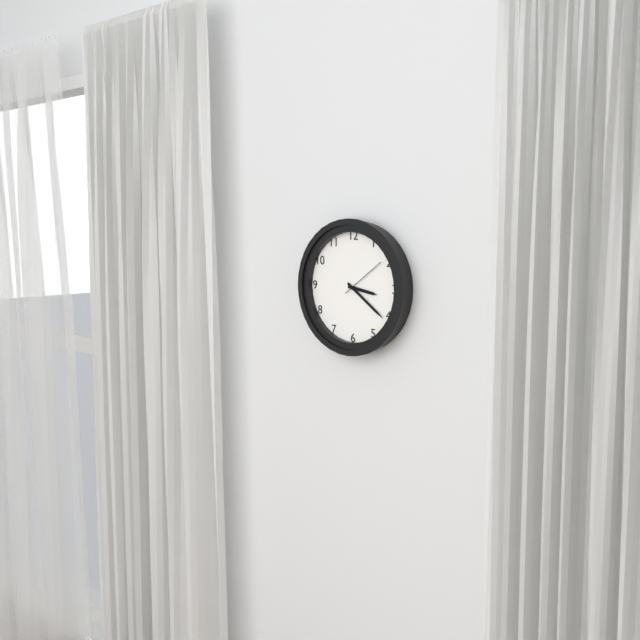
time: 3:21
